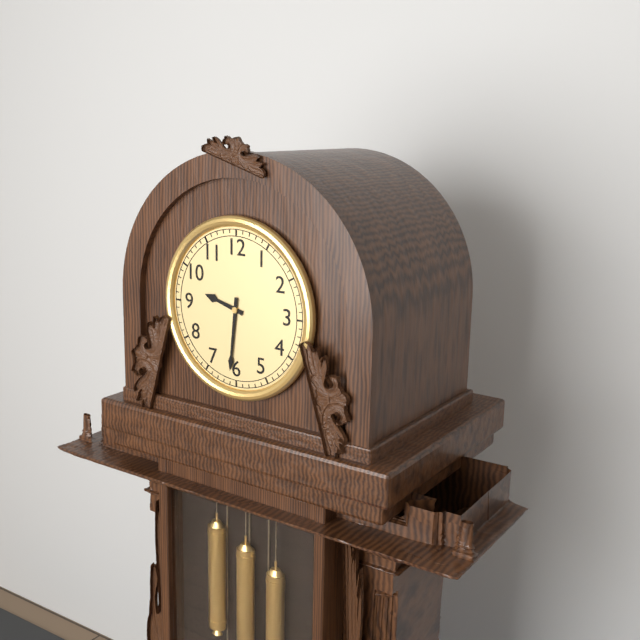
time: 9:31
